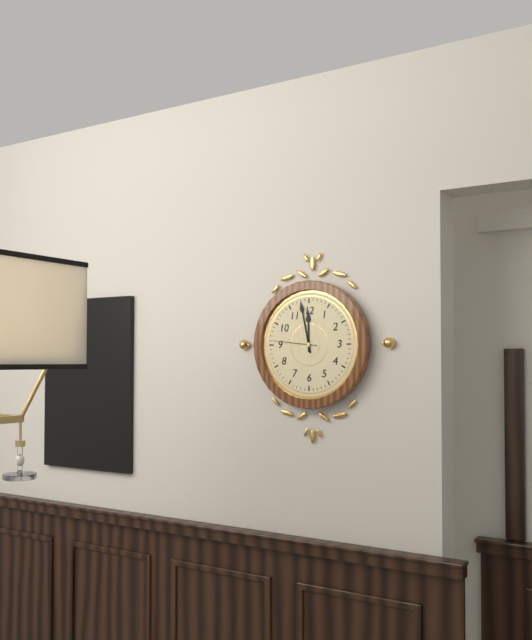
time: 11:58
